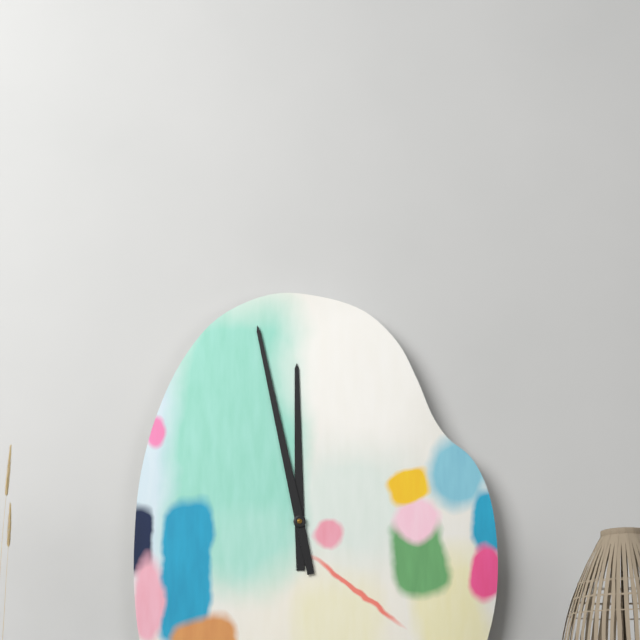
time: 11:58
